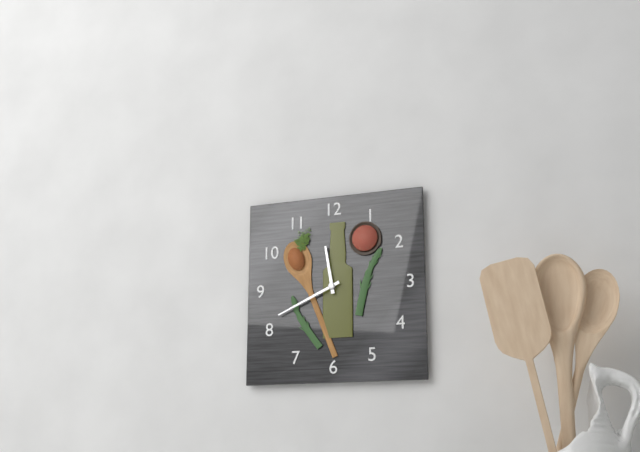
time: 11:41
